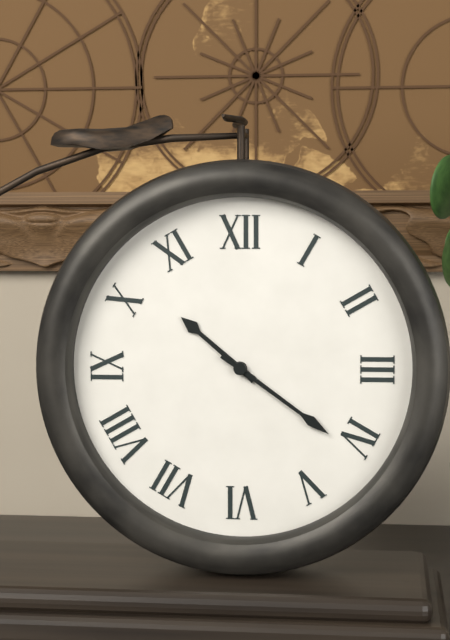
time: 10:21
